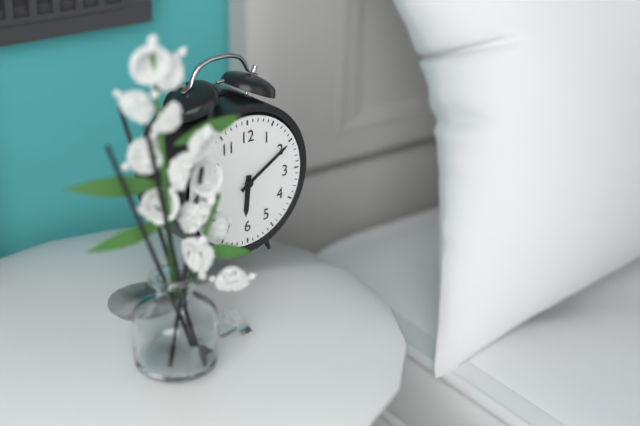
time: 6:10
